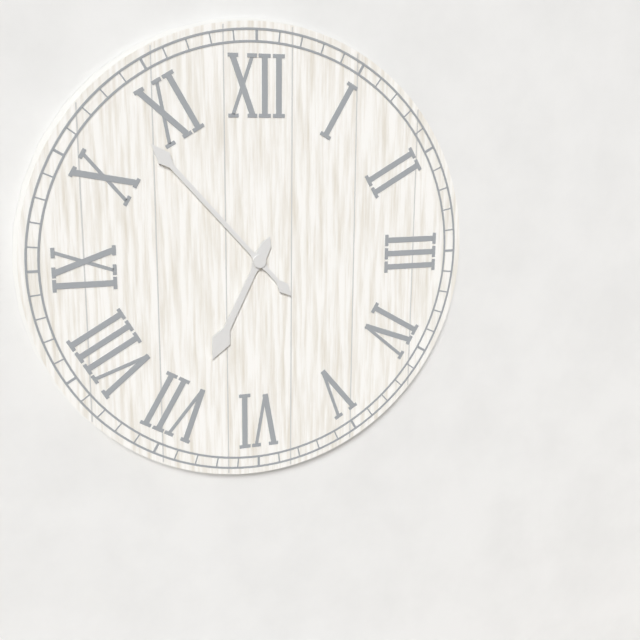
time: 6:53
